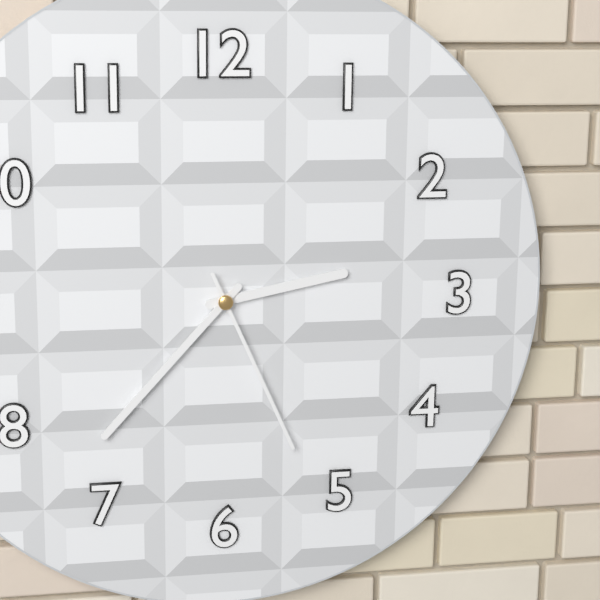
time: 2:37:26
